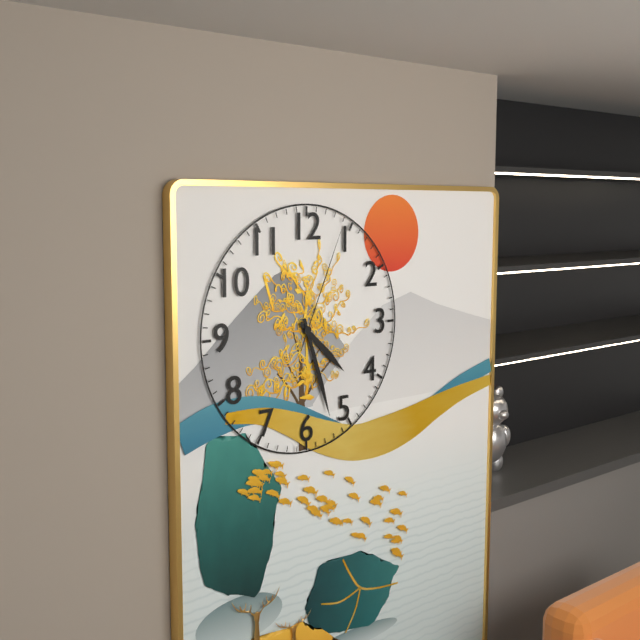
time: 4:27:04
